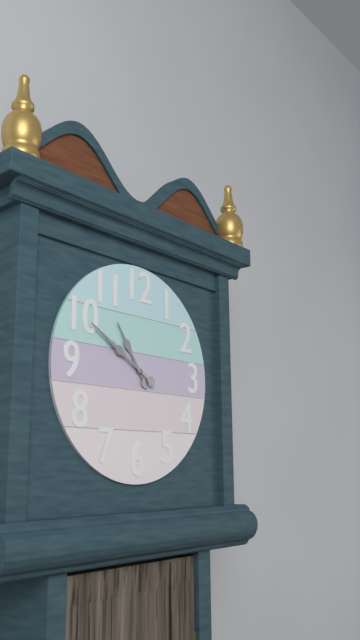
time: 10:50
